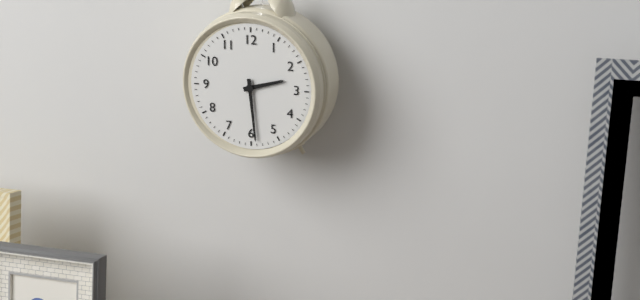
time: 2:29
